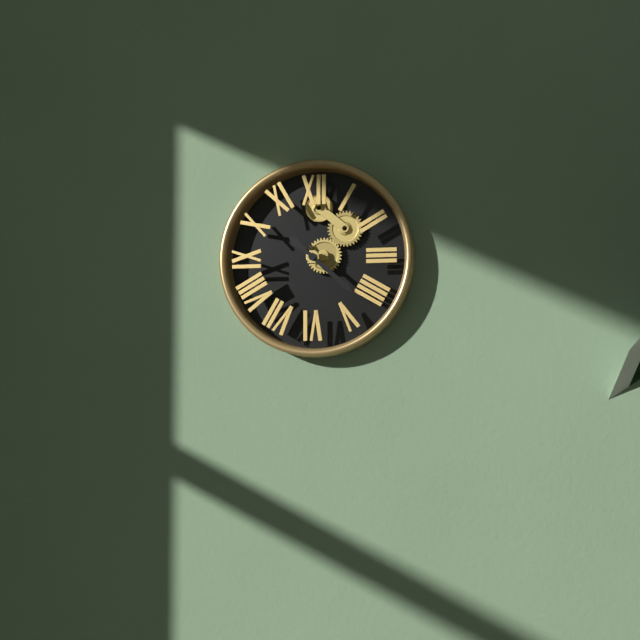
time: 10:22
